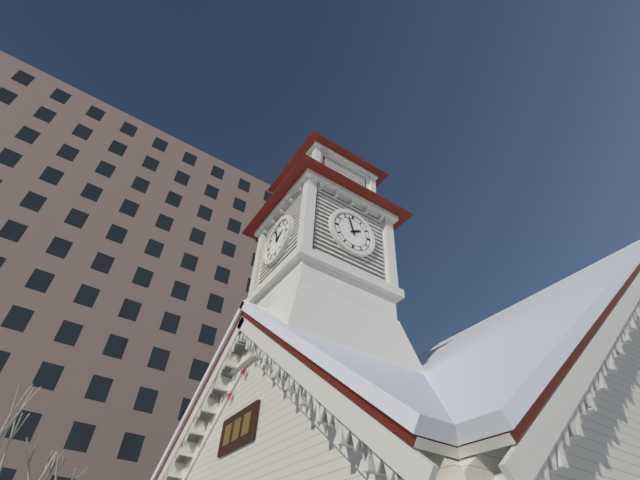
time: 1:57
